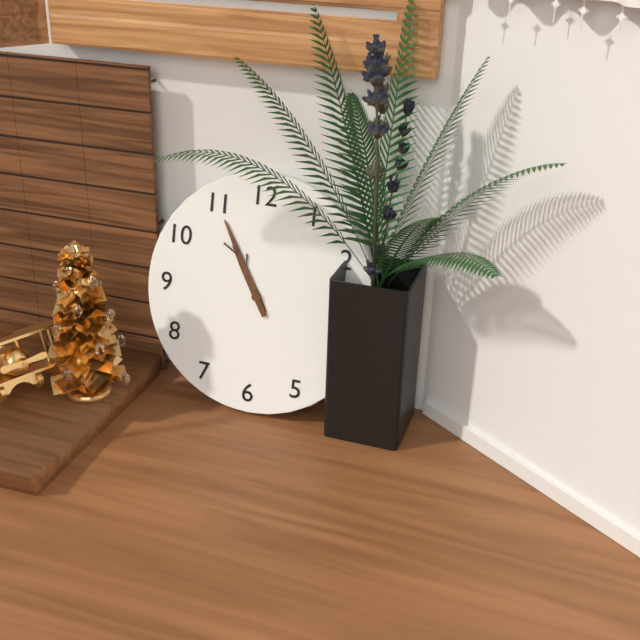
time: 10:55
